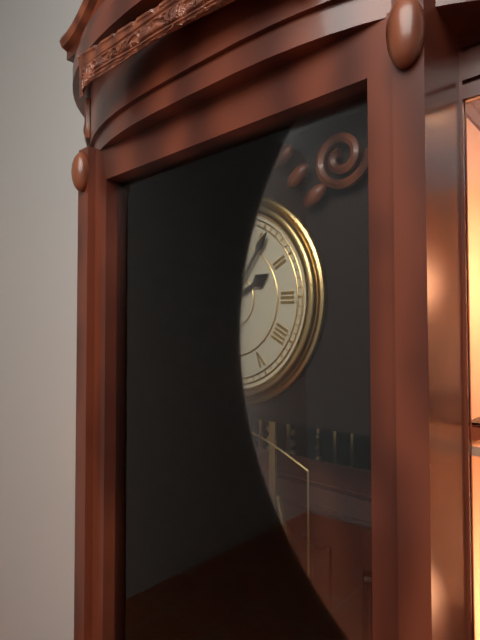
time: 2:06
